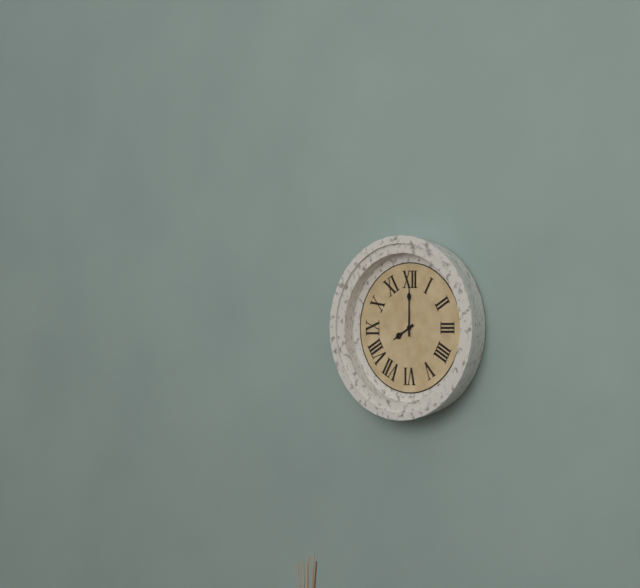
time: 8:00
